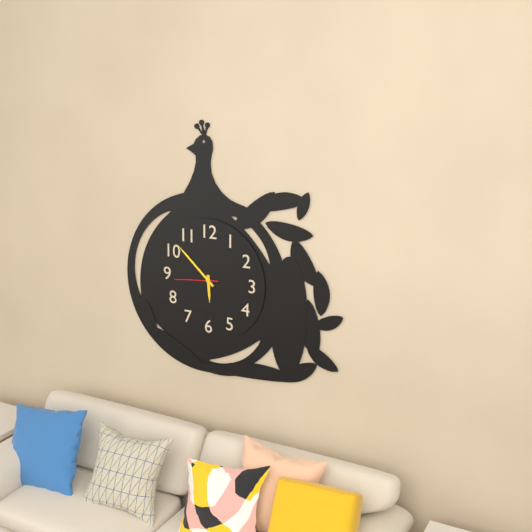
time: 5:52
